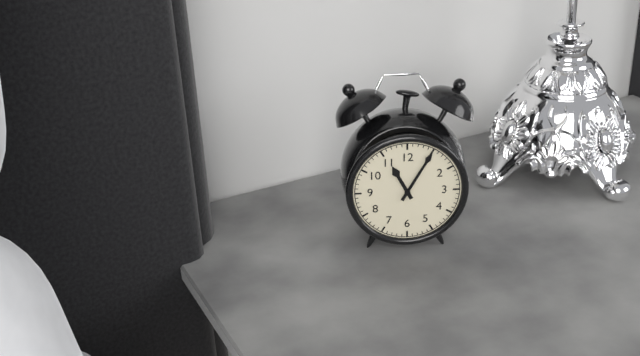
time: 11:05
